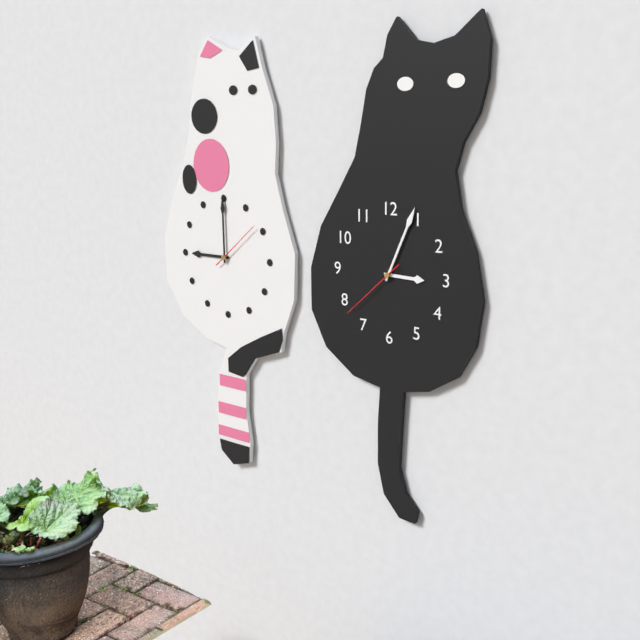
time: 3:04:38
